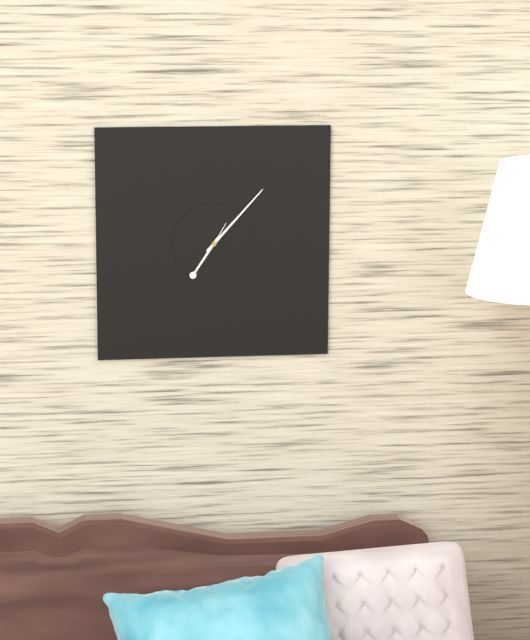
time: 7:07
